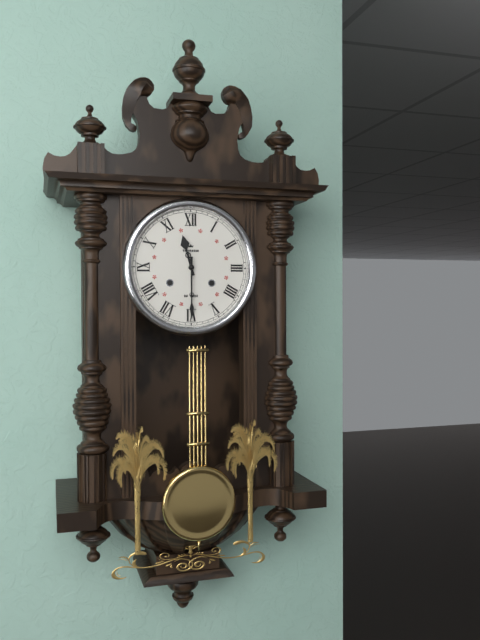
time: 11:30
